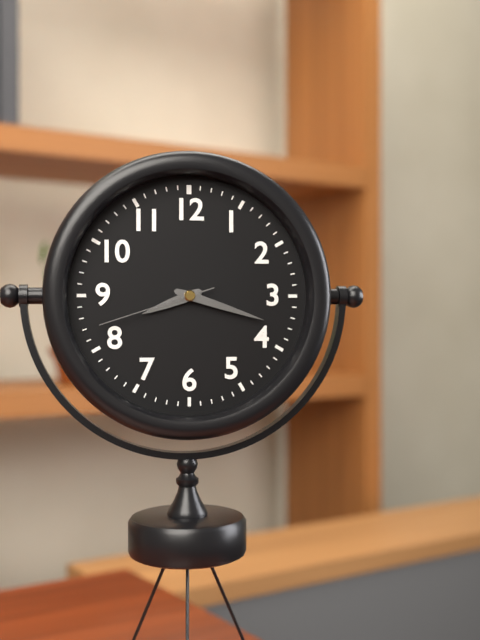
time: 8:18:42
